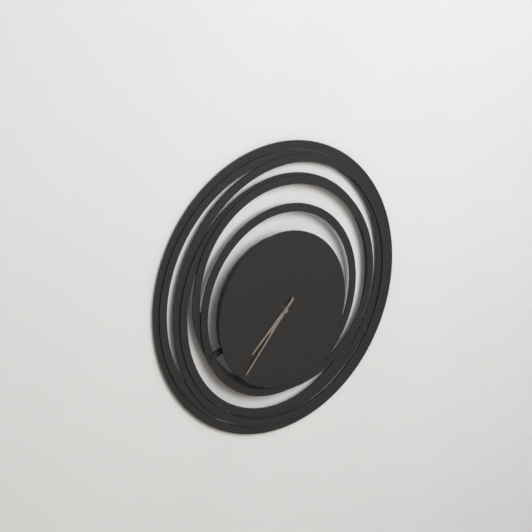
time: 7:37
